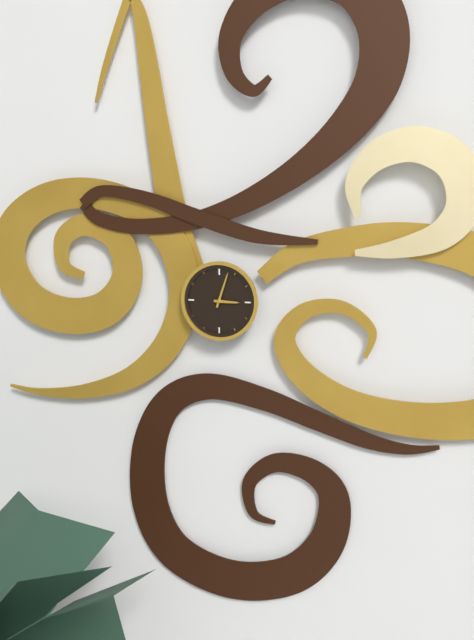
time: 3:03
